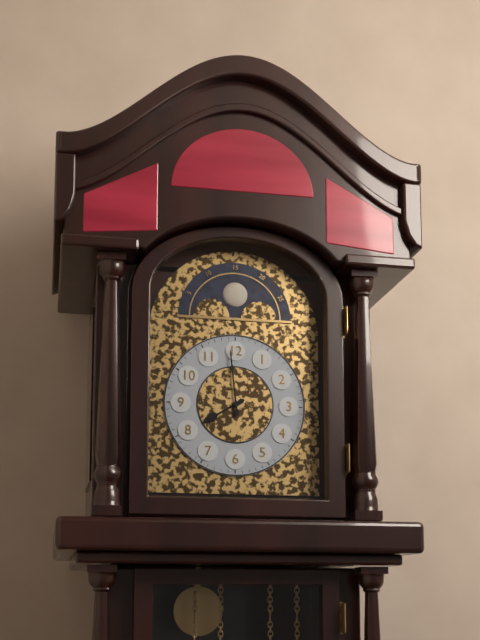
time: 7:59
